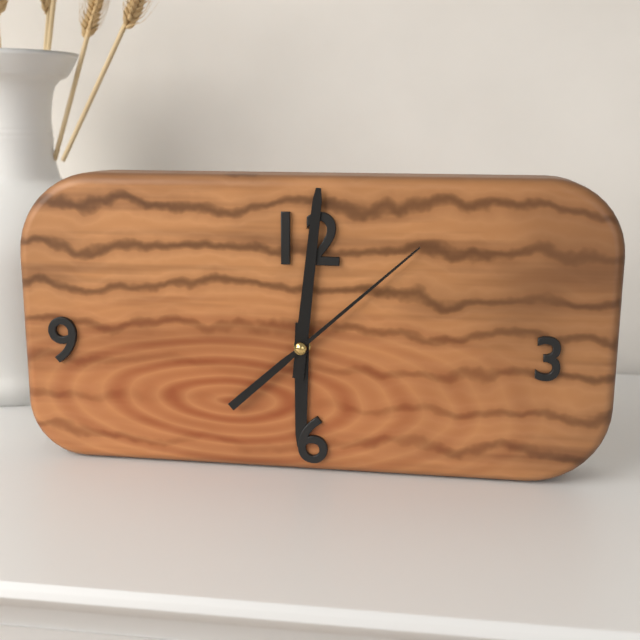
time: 6:01:08
